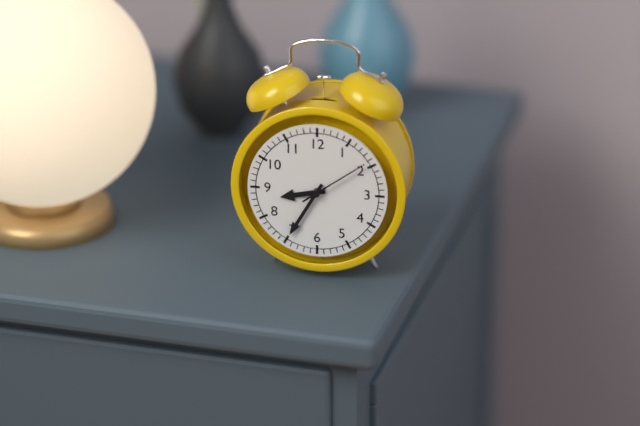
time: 8:35:09
